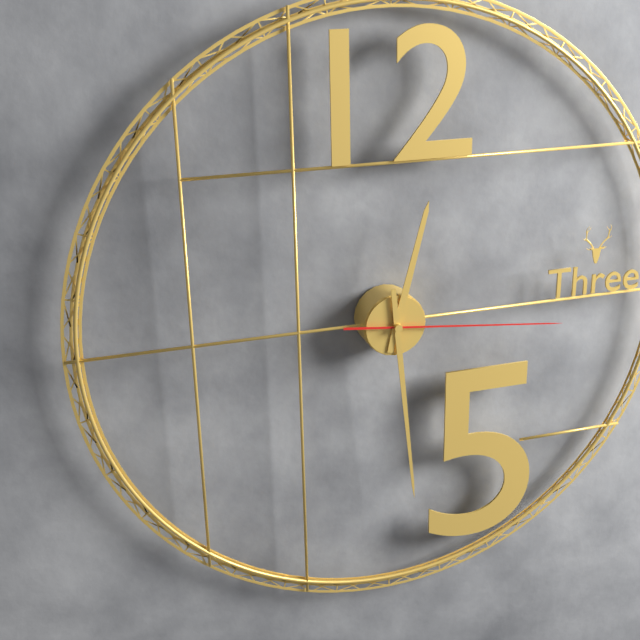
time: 12:29:16
